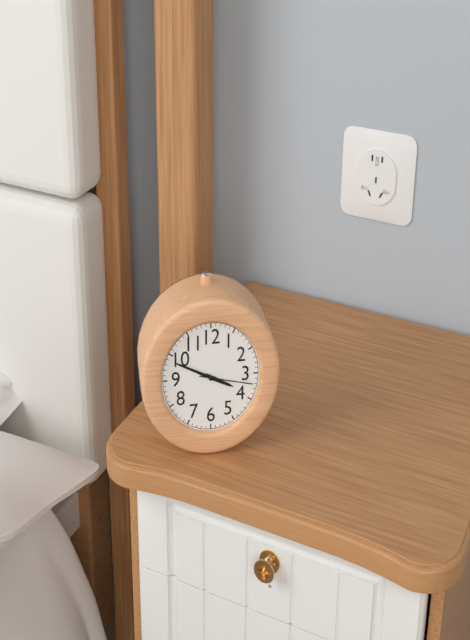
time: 3:49:17
